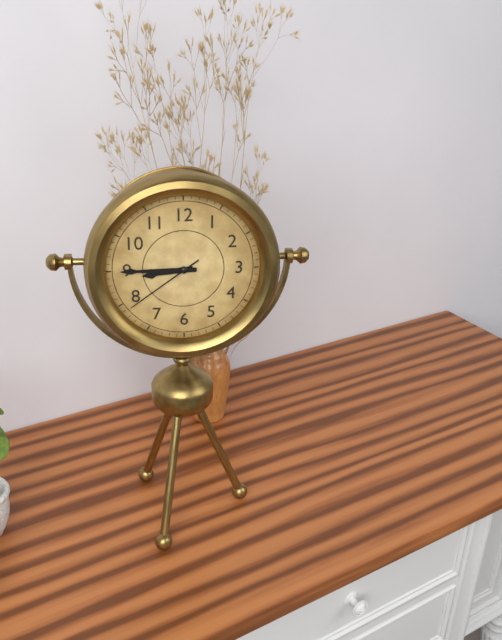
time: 8:45:39
